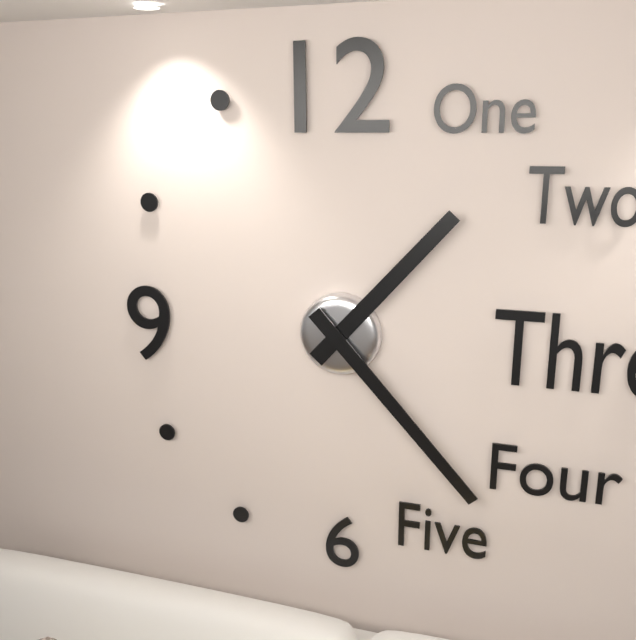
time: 1:23
